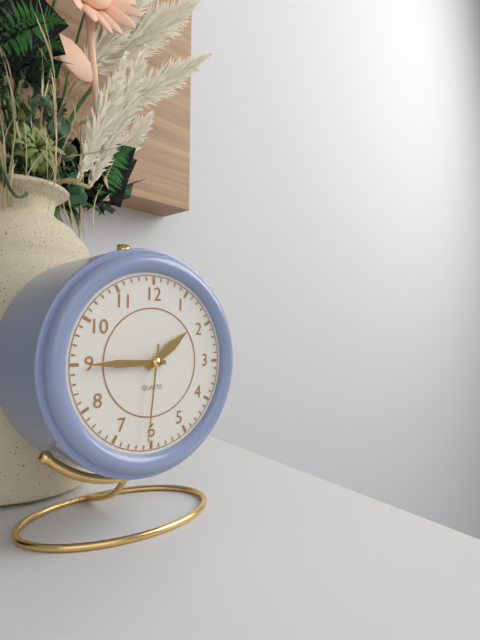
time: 1:45:31
